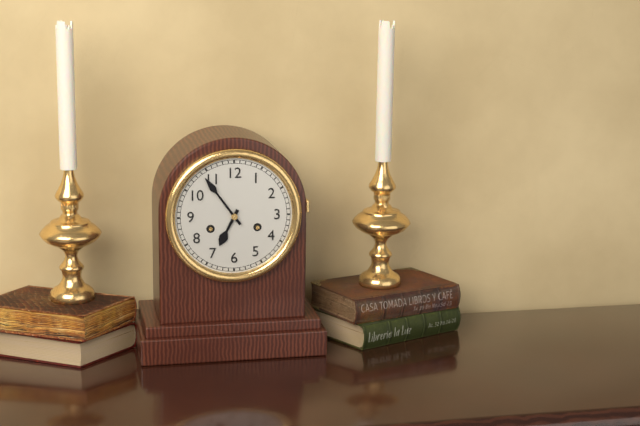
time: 6:54
